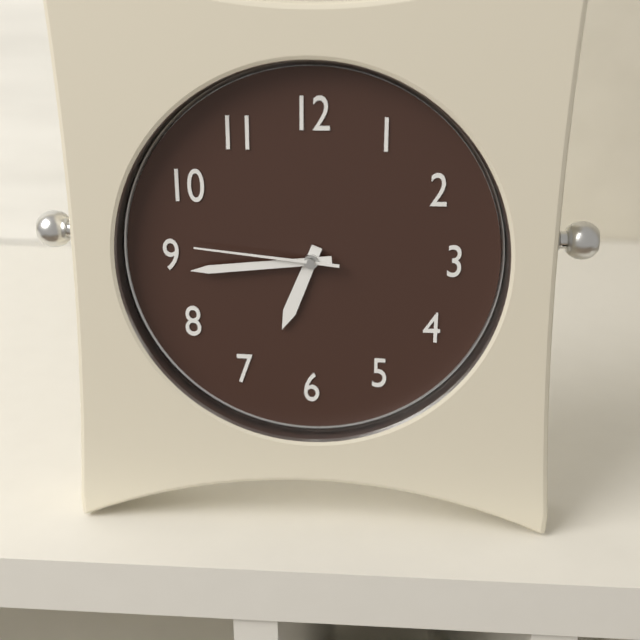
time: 6:44:46
